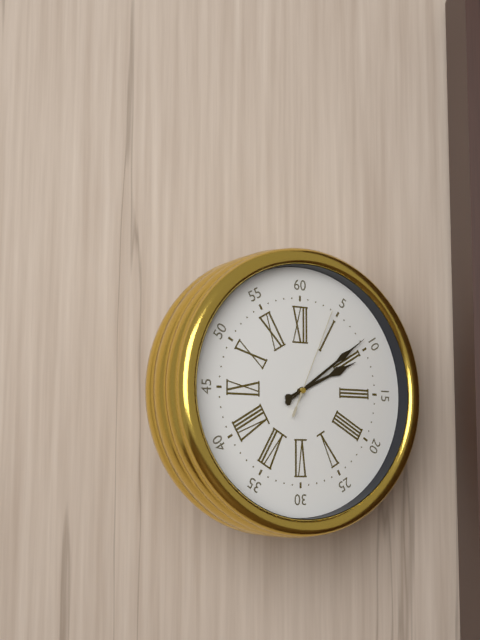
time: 2:09:04
